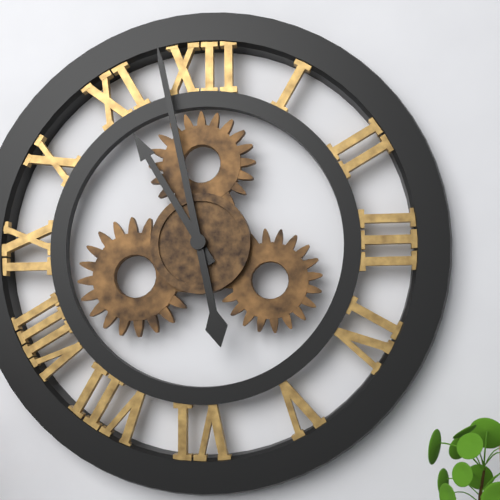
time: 10:58
